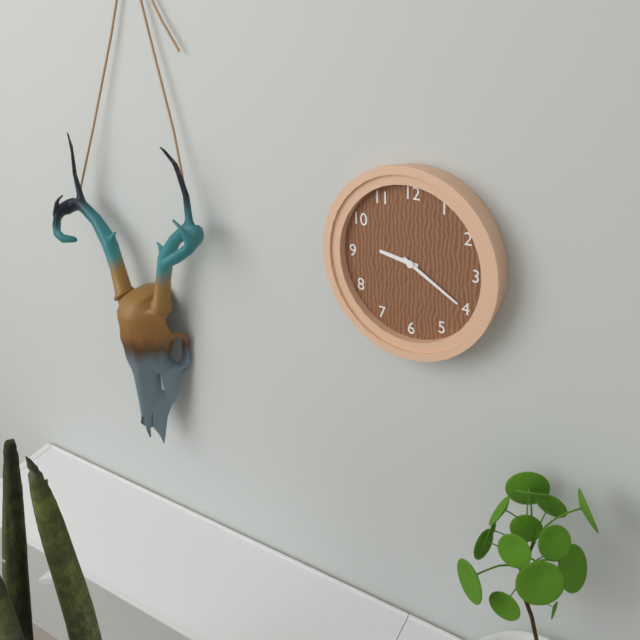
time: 9:20
